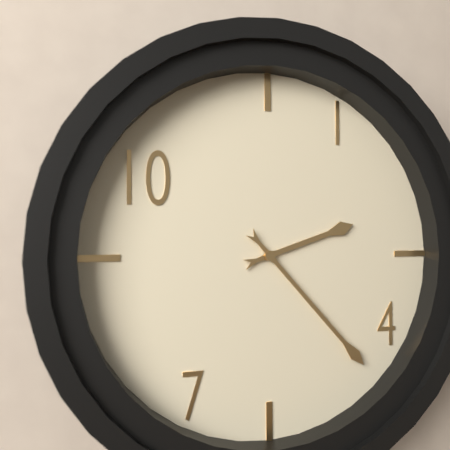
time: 2:23
